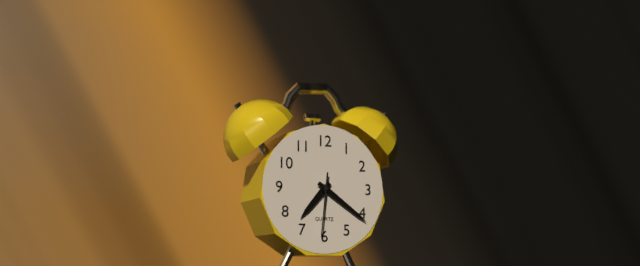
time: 7:21:31
